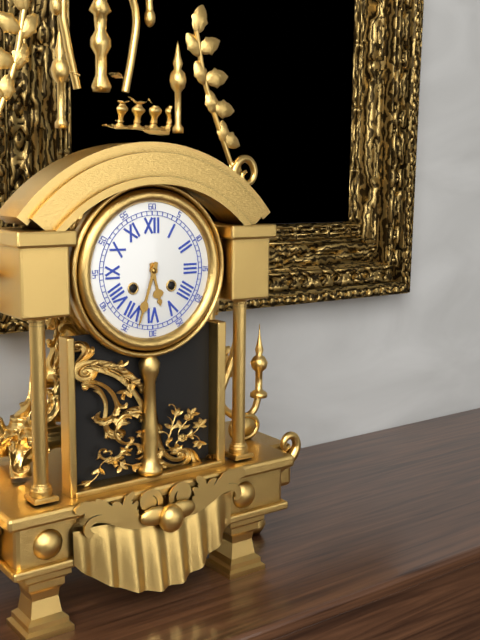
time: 5:33
